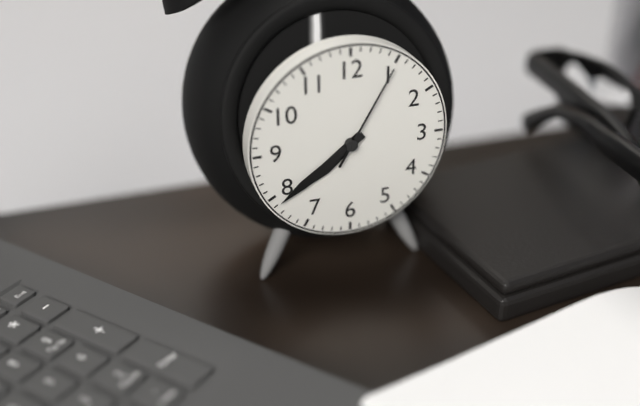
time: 7:39:05
